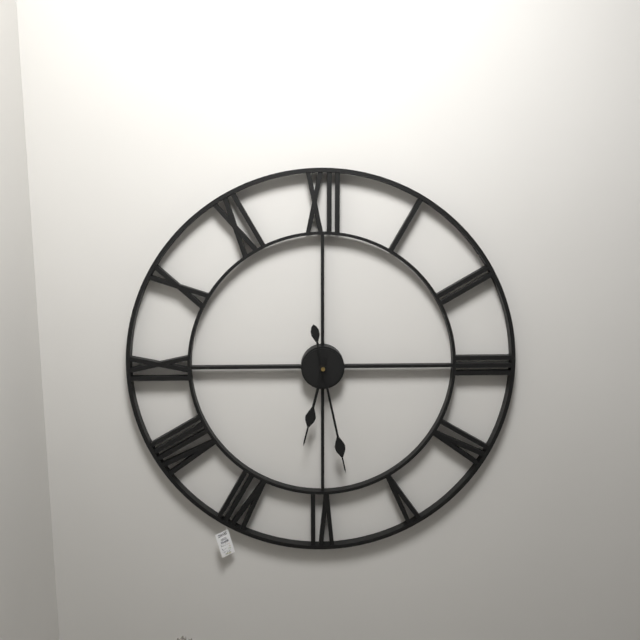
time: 6:28
